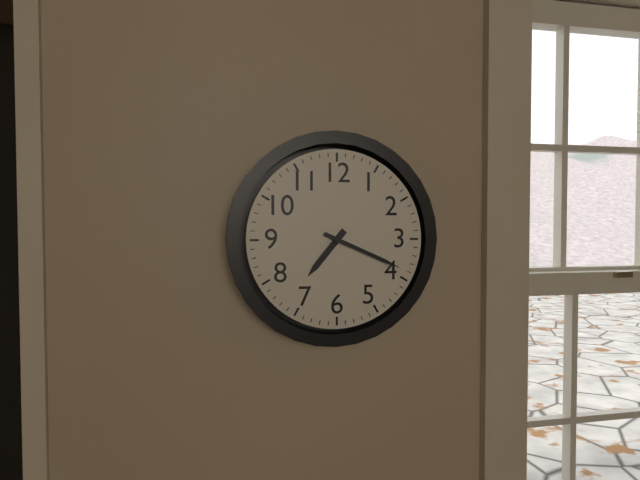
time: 7:19
